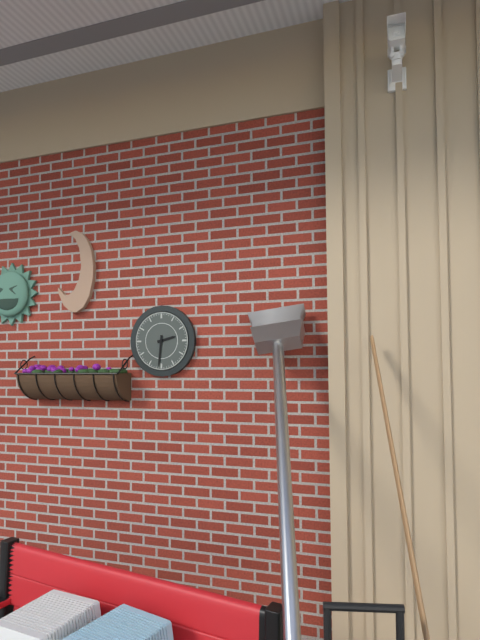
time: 2:31
